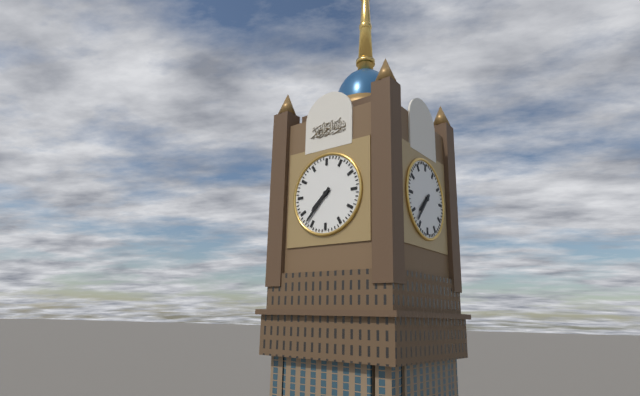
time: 7:37
